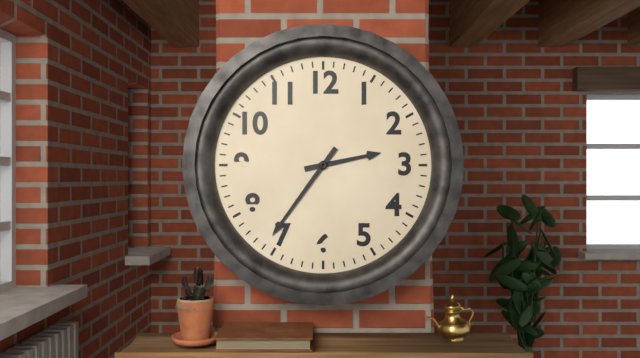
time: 2:36
